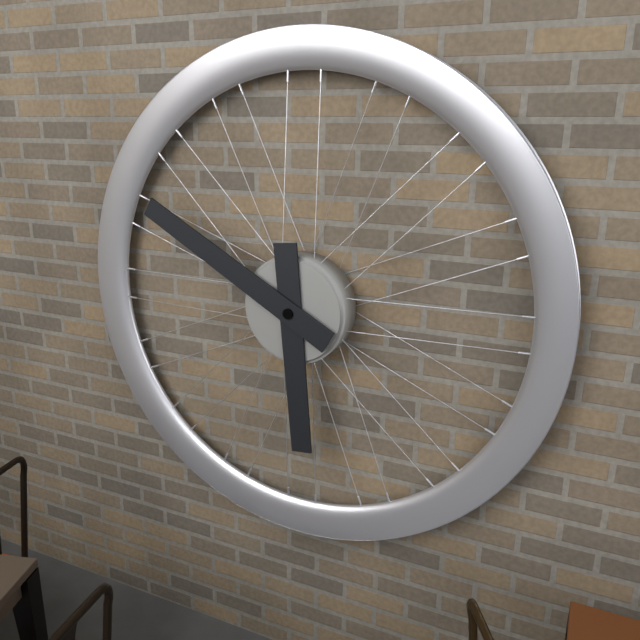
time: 5:50
